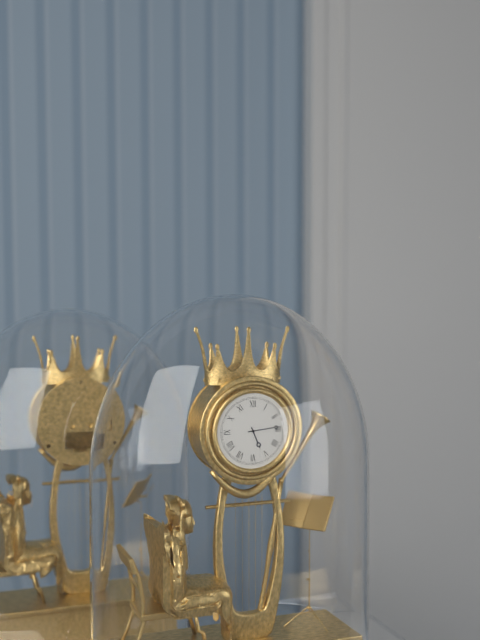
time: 5:14
